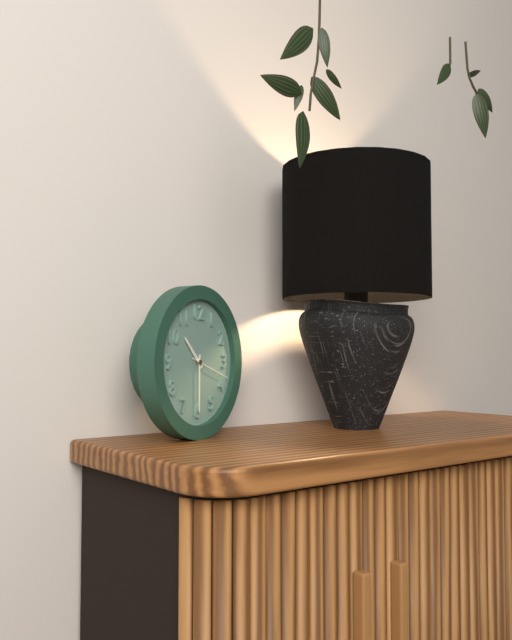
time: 10:30
